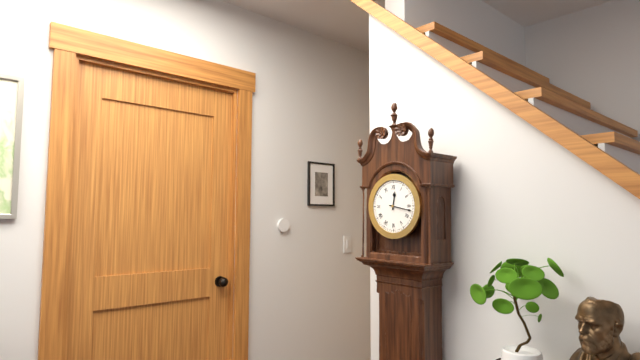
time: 12:17
